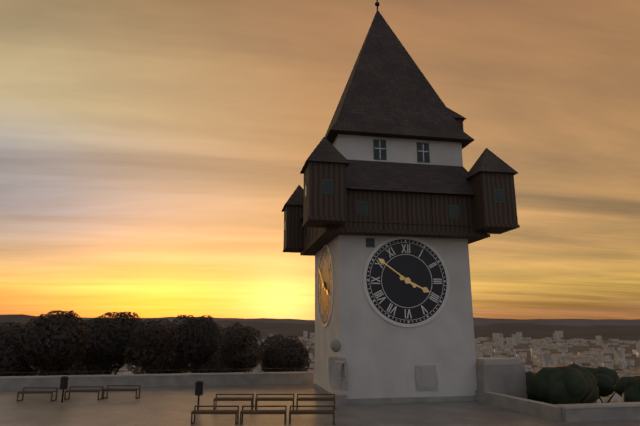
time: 3:51
